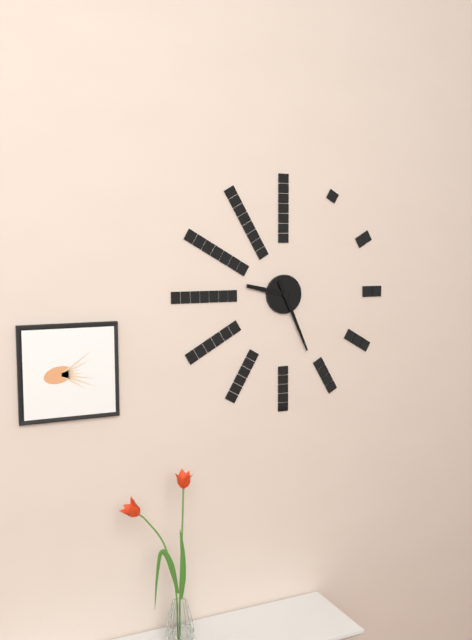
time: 9:26
